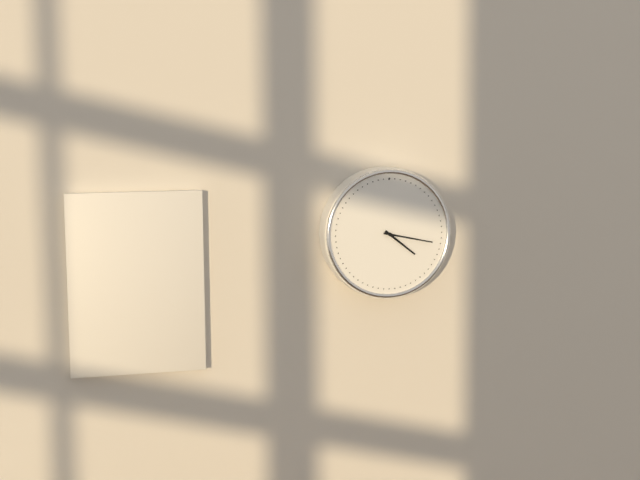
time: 4:17
